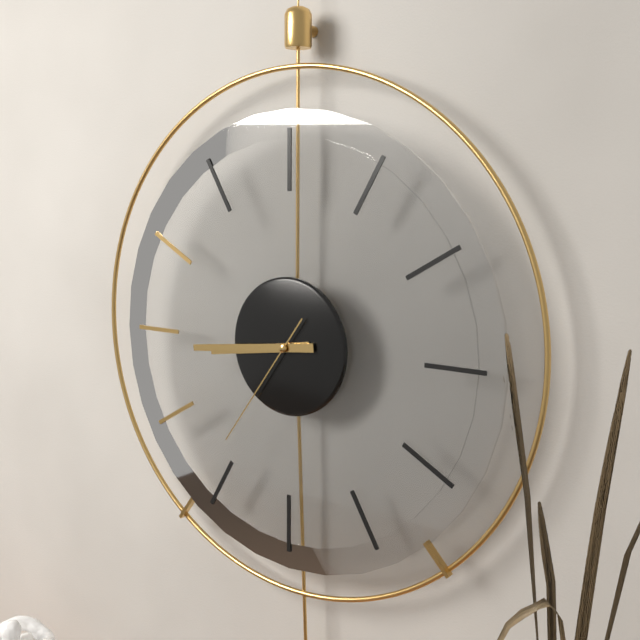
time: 8:44:36
